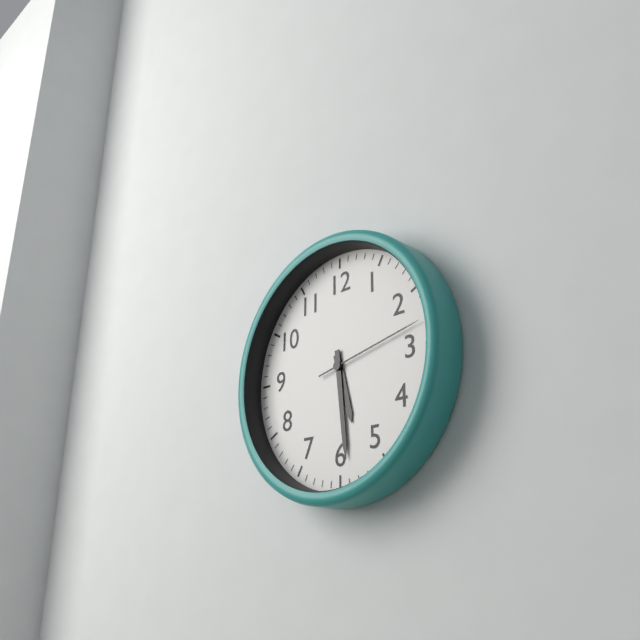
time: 5:29:13
